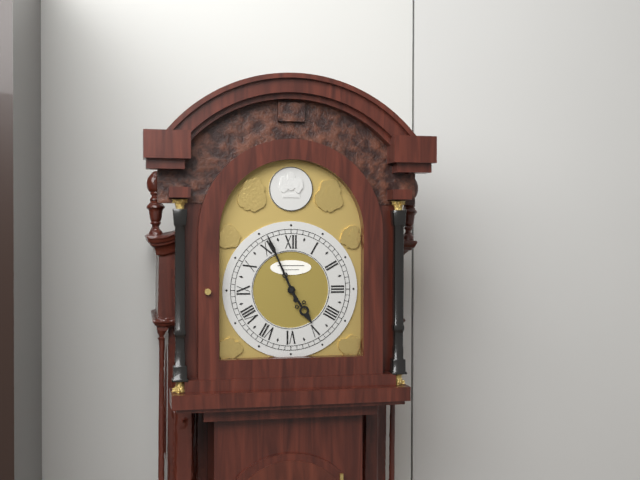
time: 4:56
